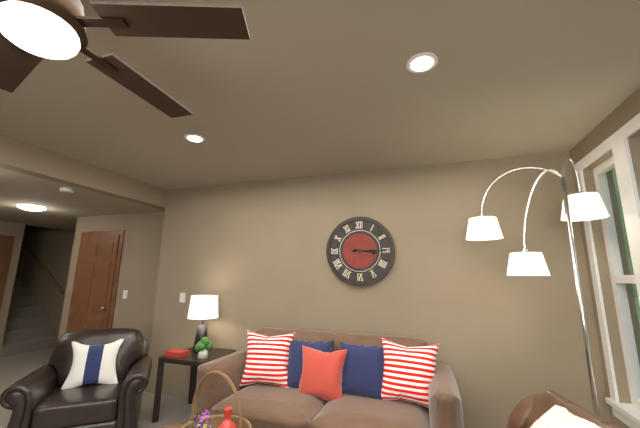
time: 3:15
